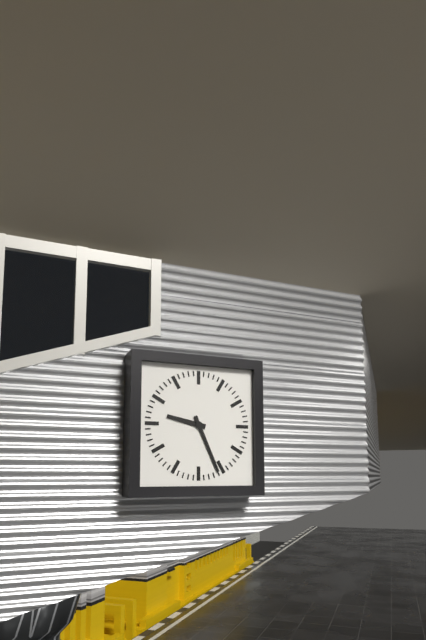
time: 9:26
